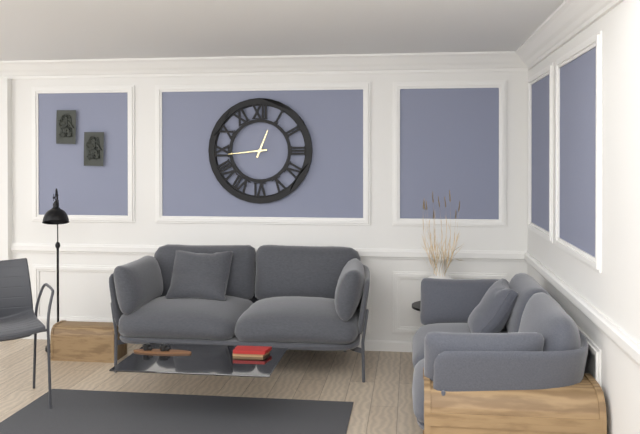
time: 12:44
